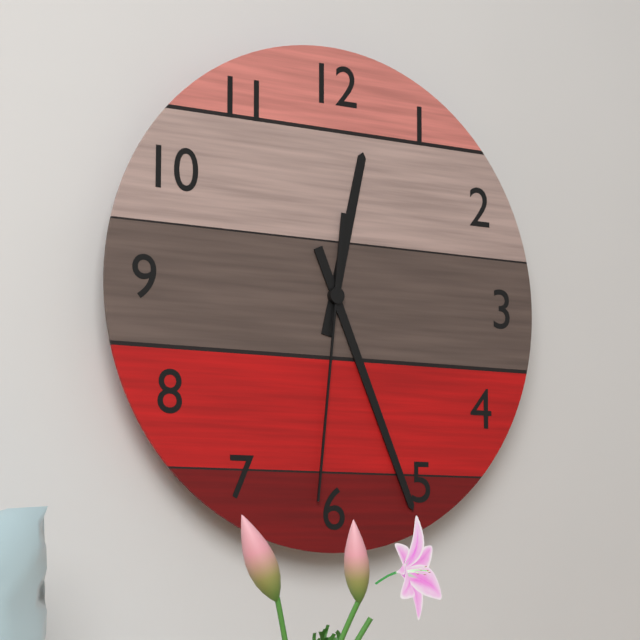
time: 12:26:31
